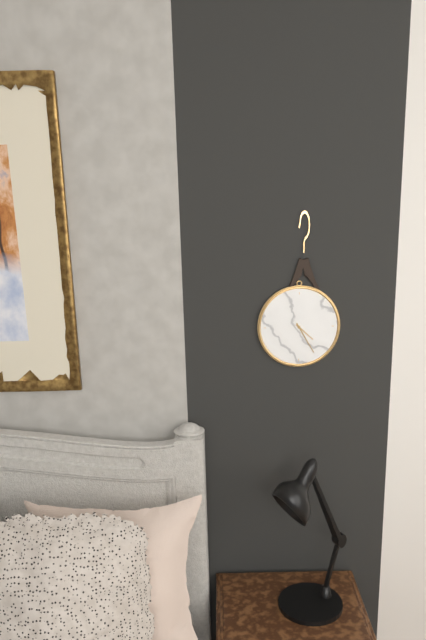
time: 4:25
